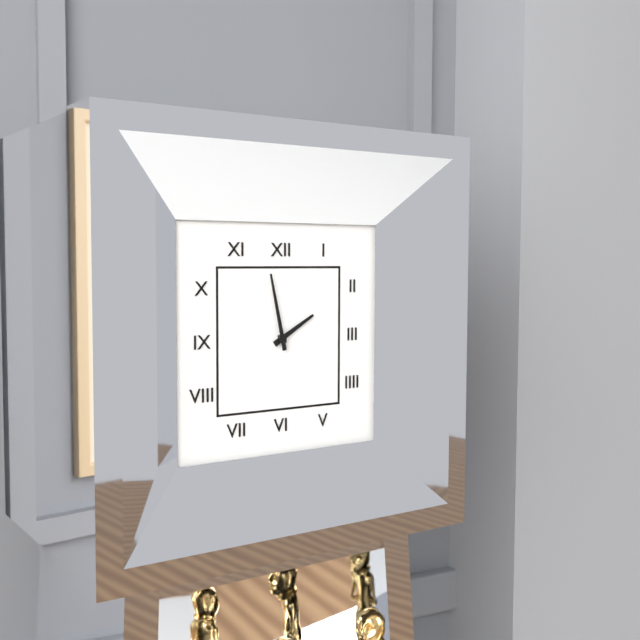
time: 1:58
